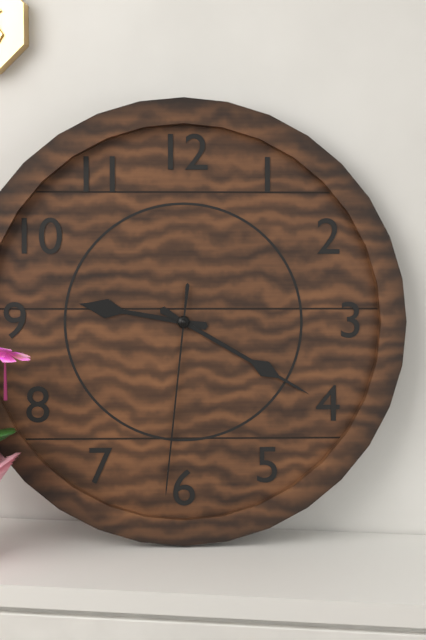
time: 9:20:31
